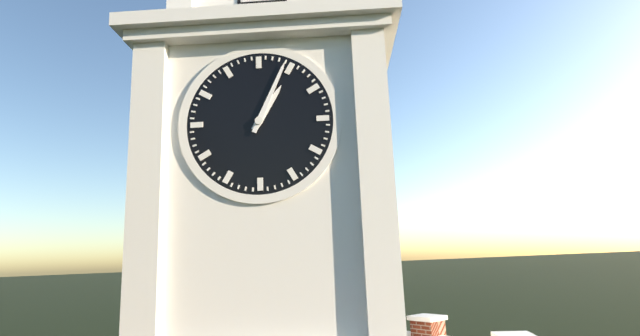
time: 1:04
